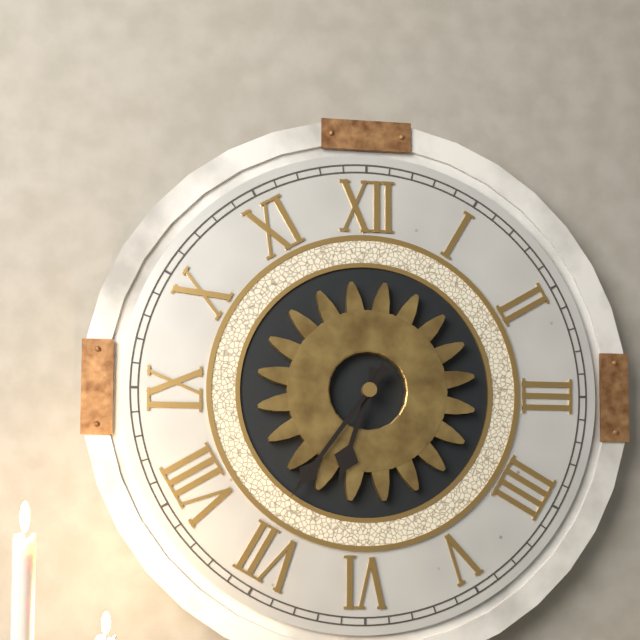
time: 6:36
